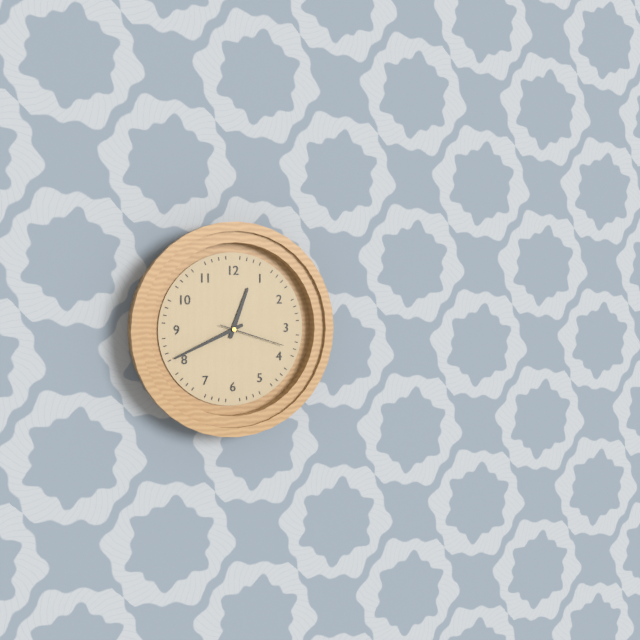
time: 12:41:18
